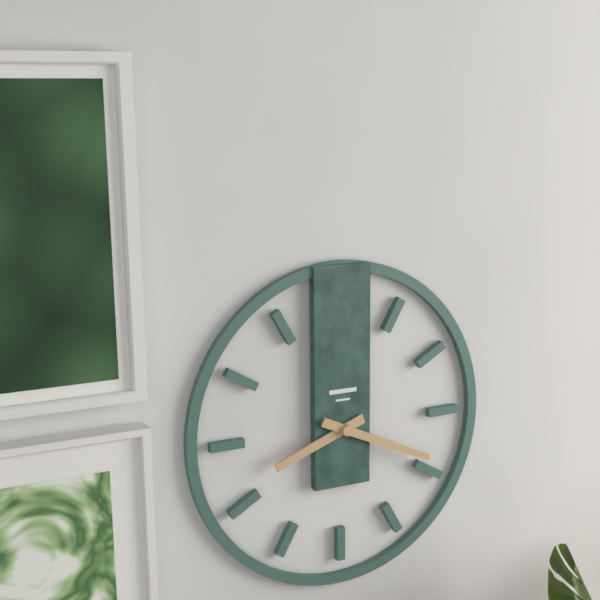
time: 8:19
